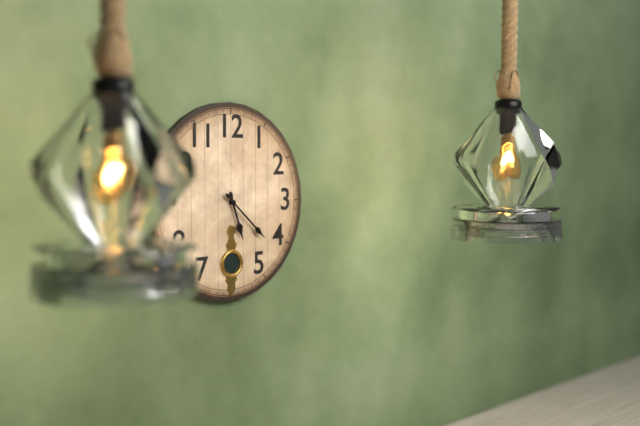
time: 5:22
